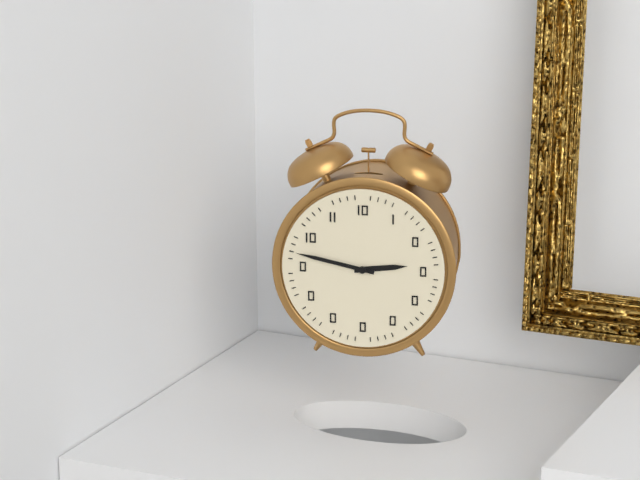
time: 2:47
